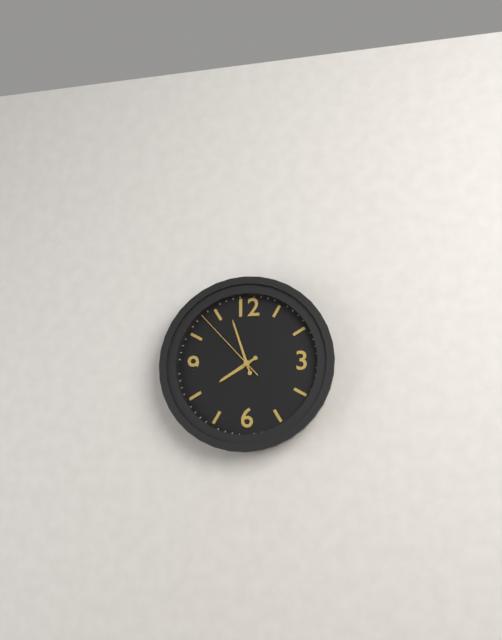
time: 7:57:53
